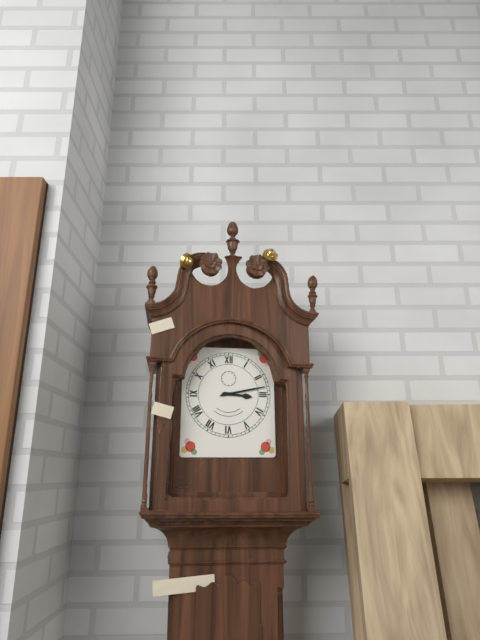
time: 3:13
